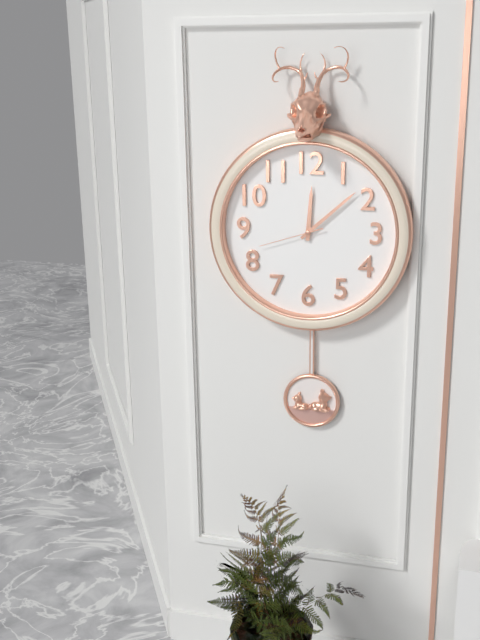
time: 12:08:42
